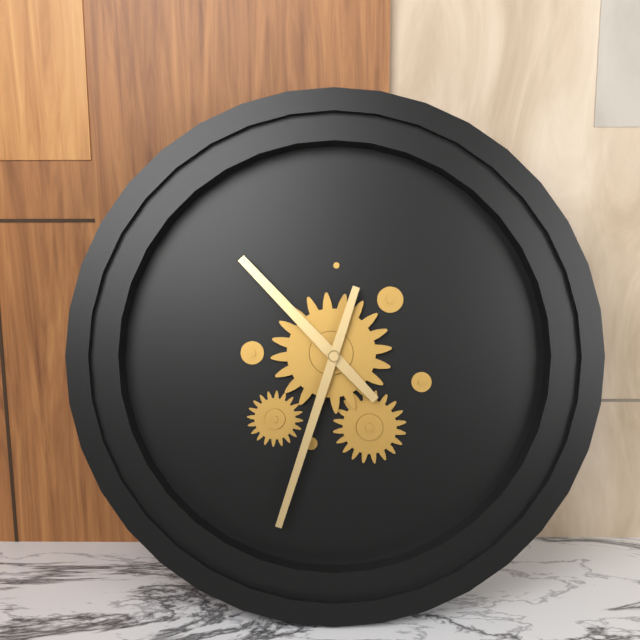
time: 10:33
